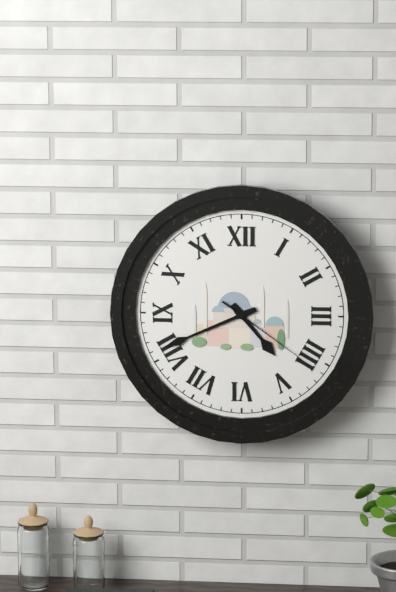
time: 4:41:21
